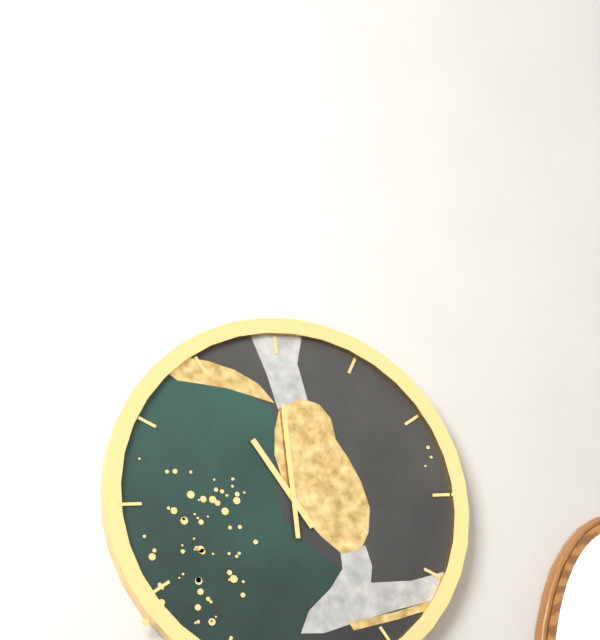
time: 11:00
